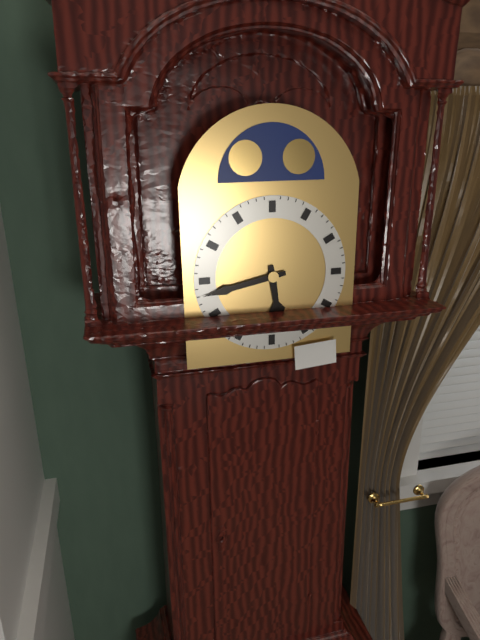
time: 5:43
